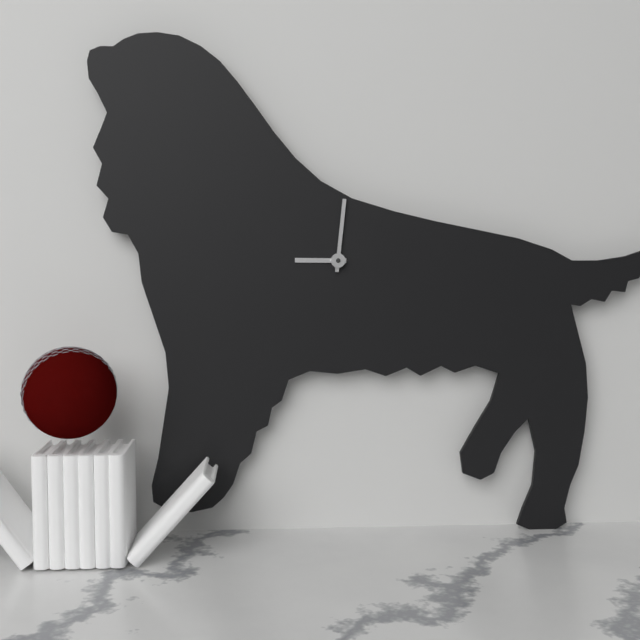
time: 9:01
